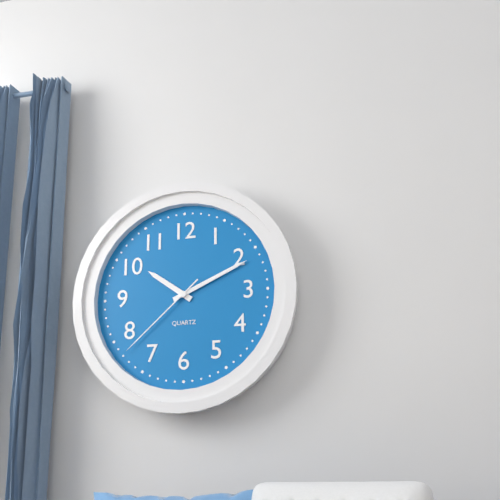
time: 10:11:38
